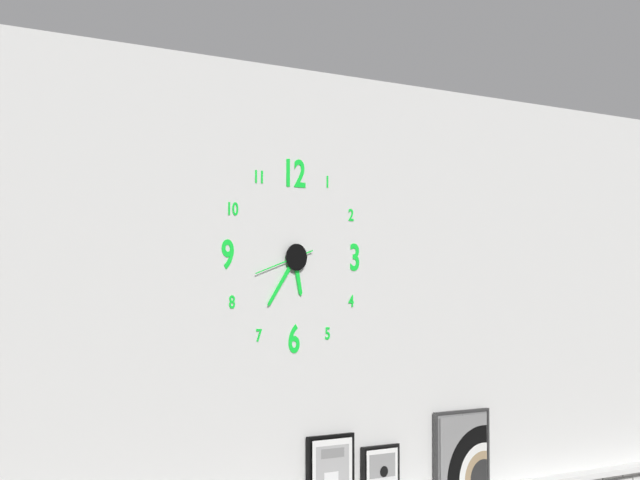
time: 5:36:42
